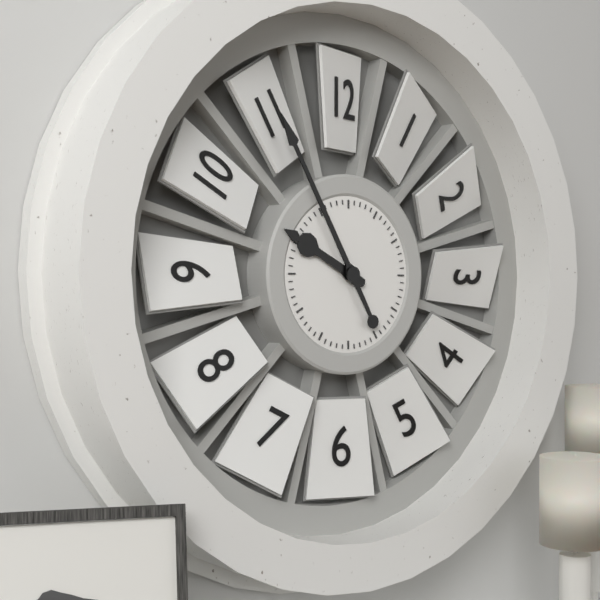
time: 9:55
